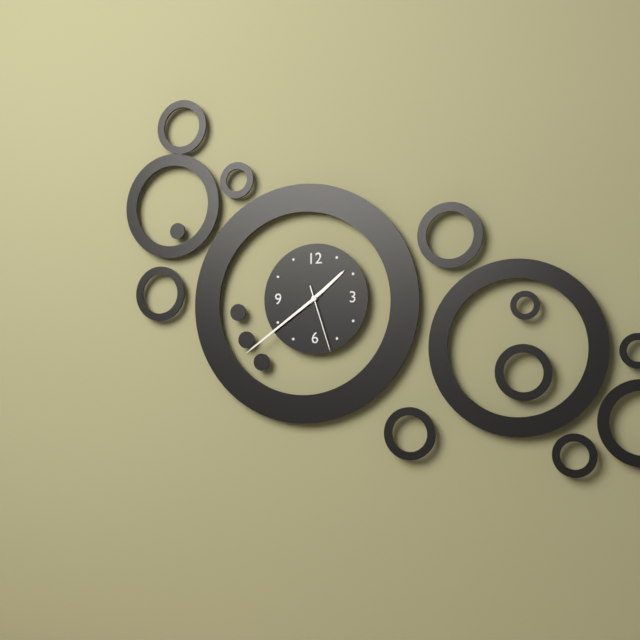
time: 1:39:27
